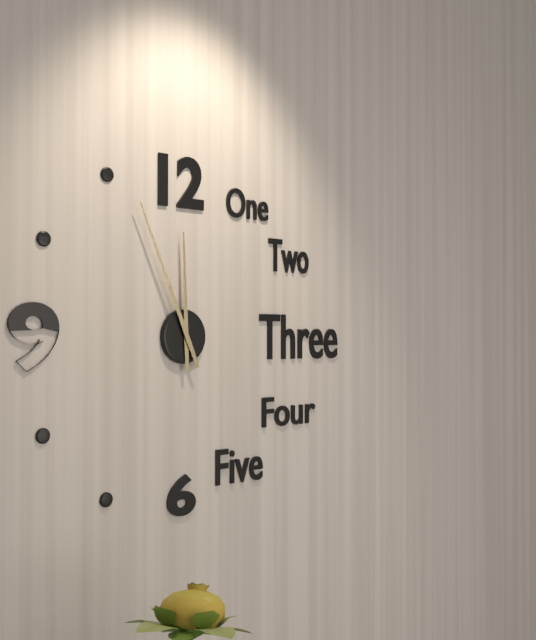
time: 11:56
